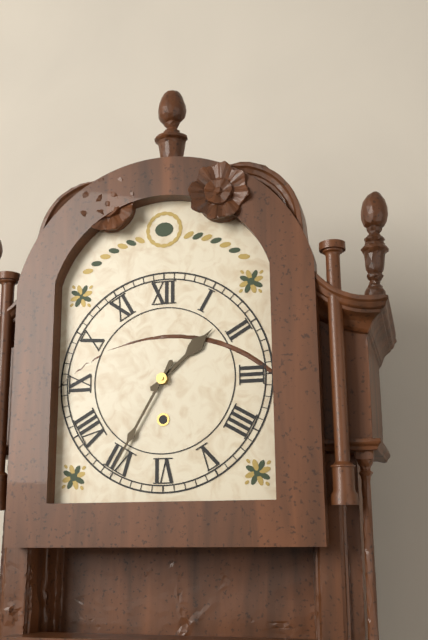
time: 1:35
